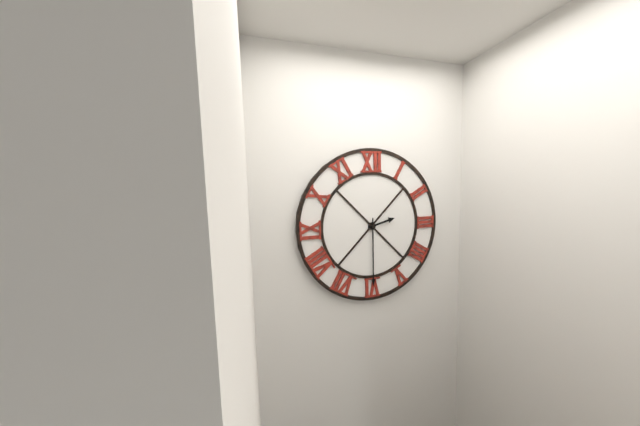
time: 2:30
